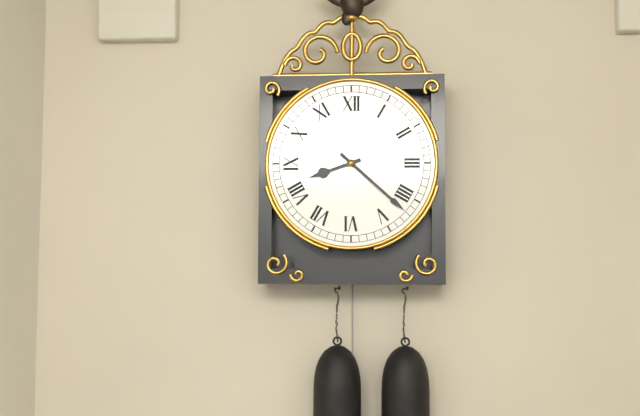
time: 8:22
